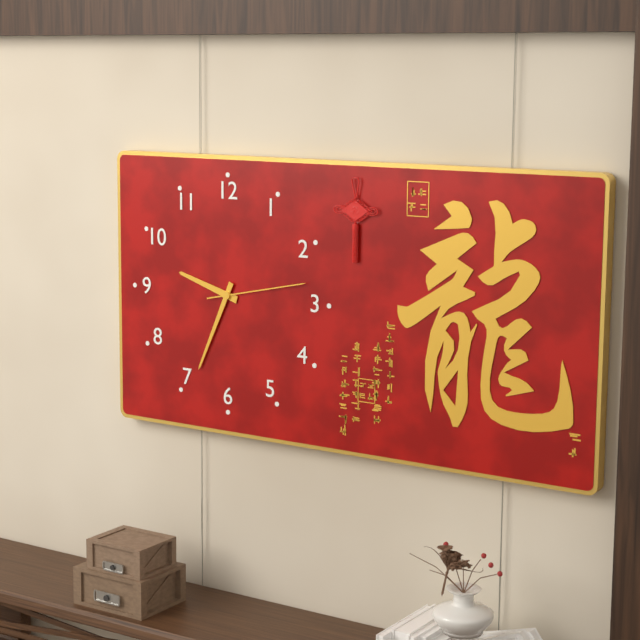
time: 9:34:13
